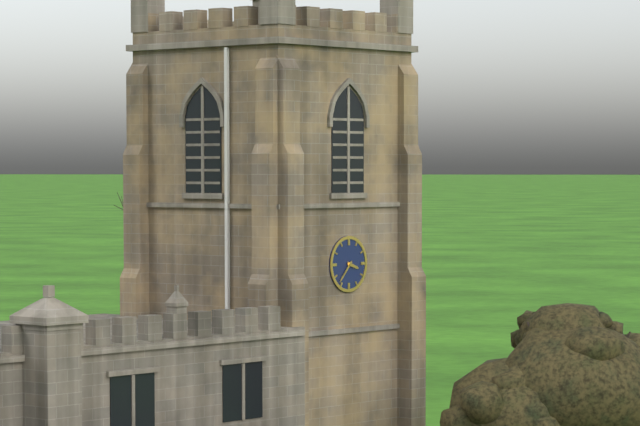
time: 3:37
